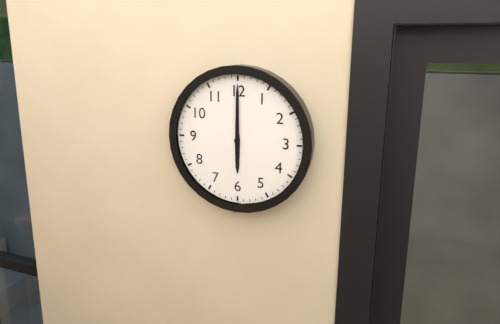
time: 6:00
